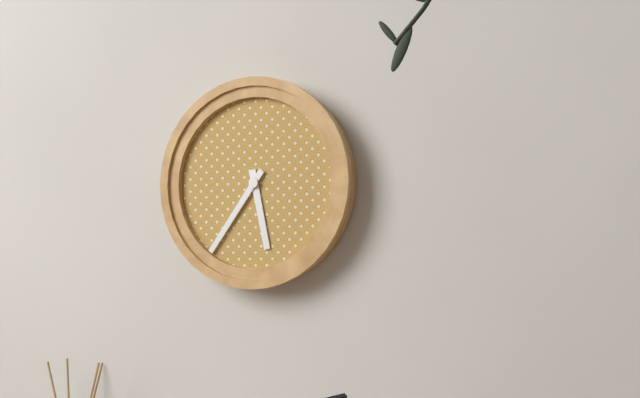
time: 5:36
